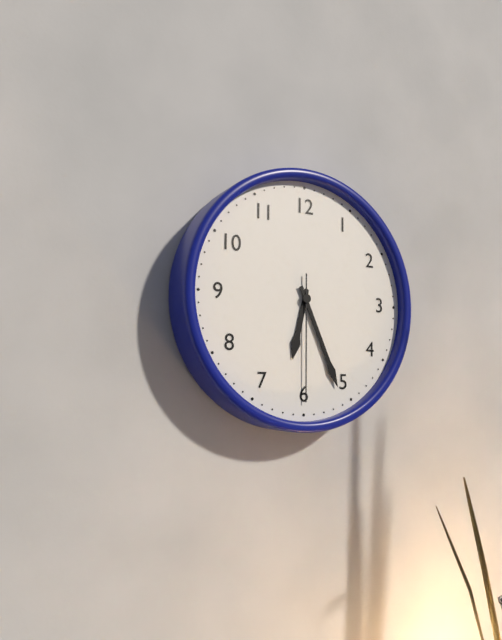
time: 6:26:30
